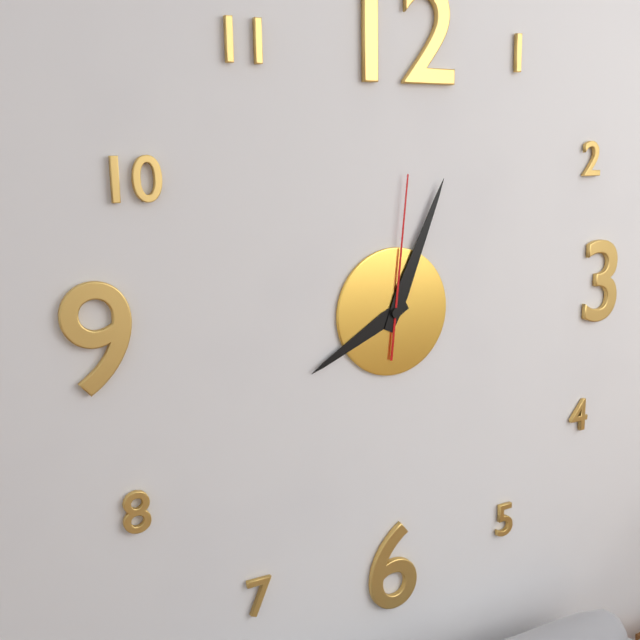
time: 8:04:01
